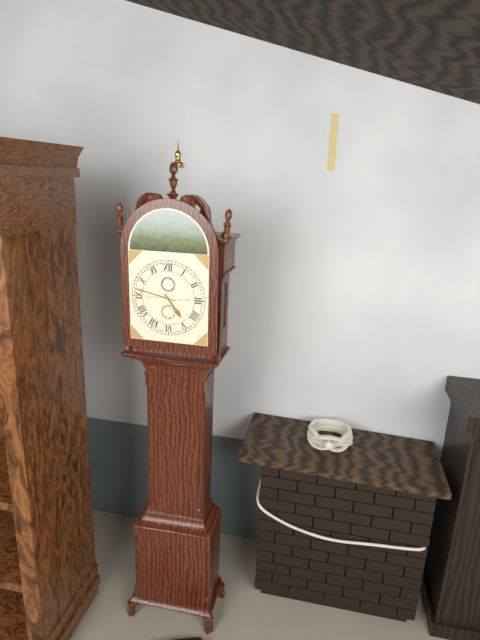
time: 4:47
